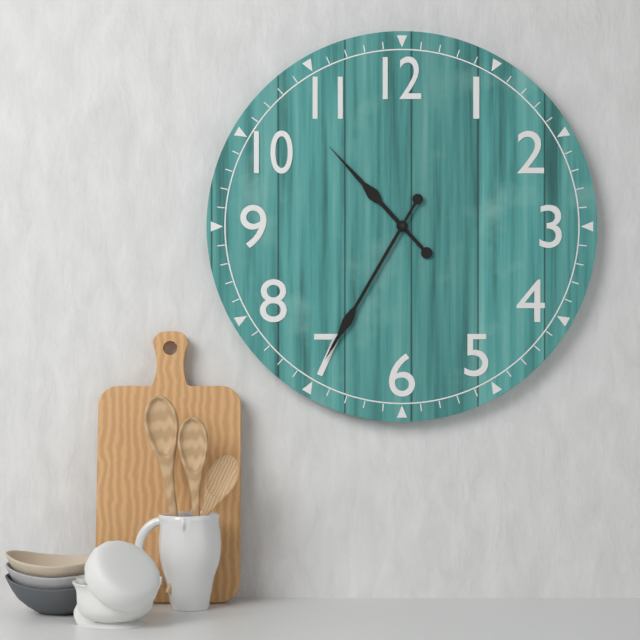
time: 10:35
